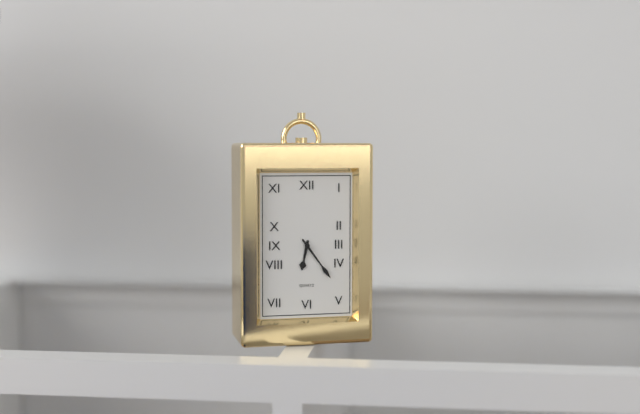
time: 6:24
